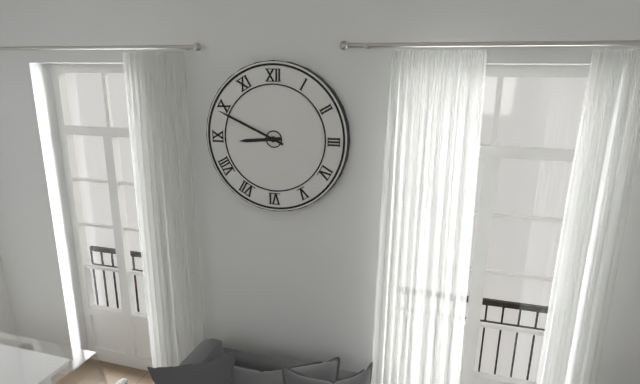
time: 8:49
